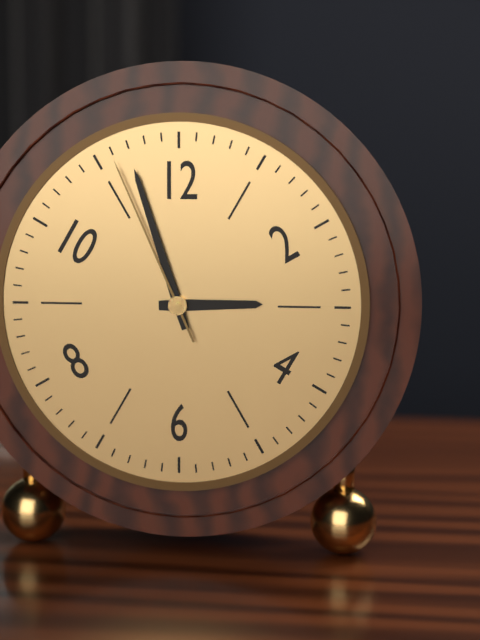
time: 2:57:56
